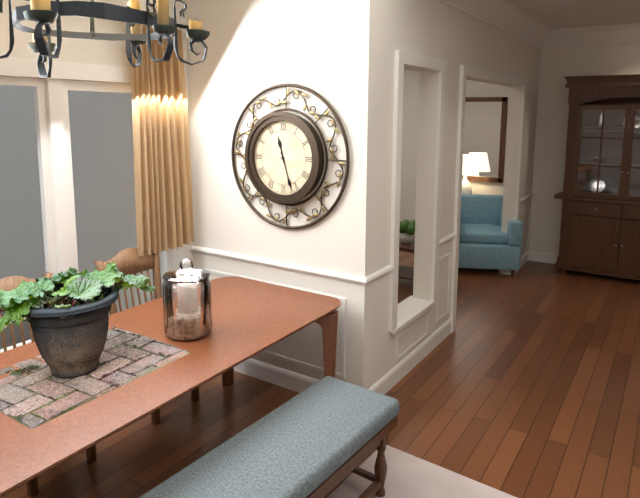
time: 11:27
